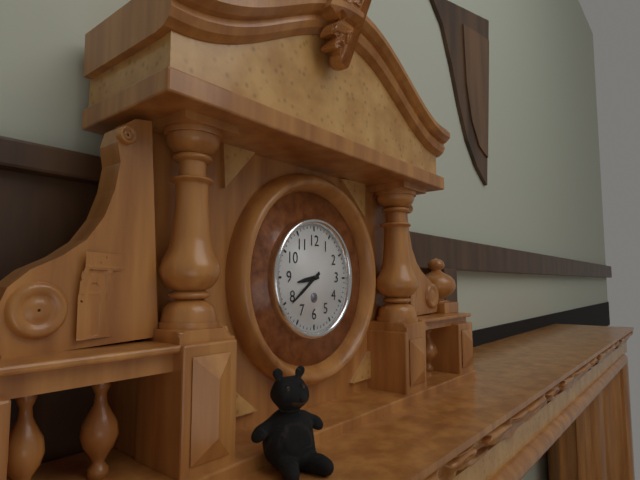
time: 8:39
